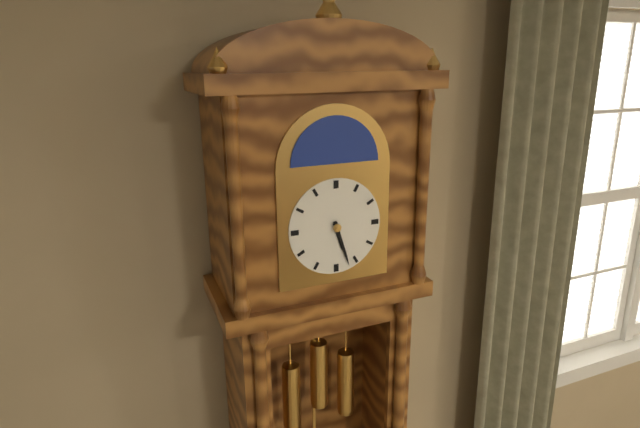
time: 5:27
